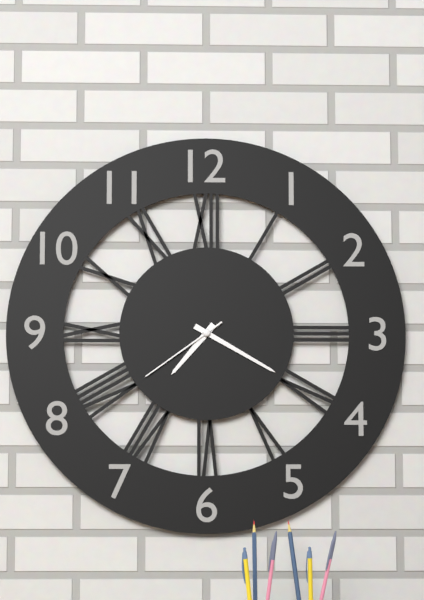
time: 7:20:39
